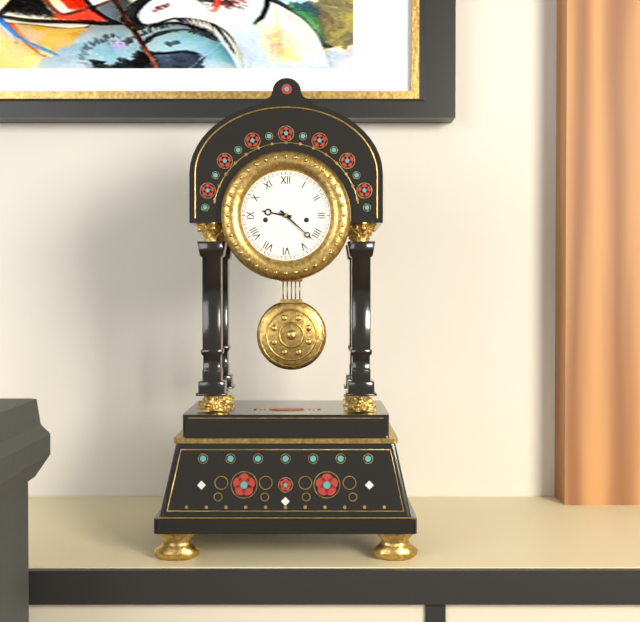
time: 9:22
